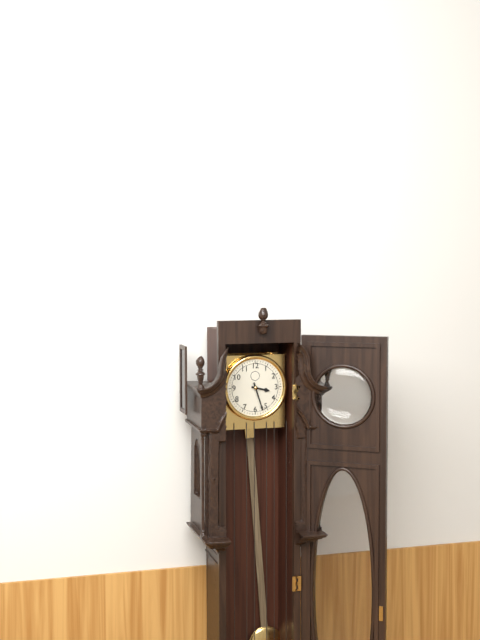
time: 3:27
